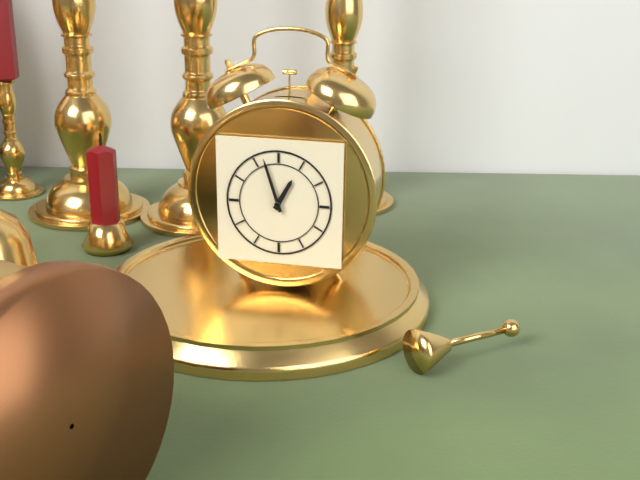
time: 12:57
